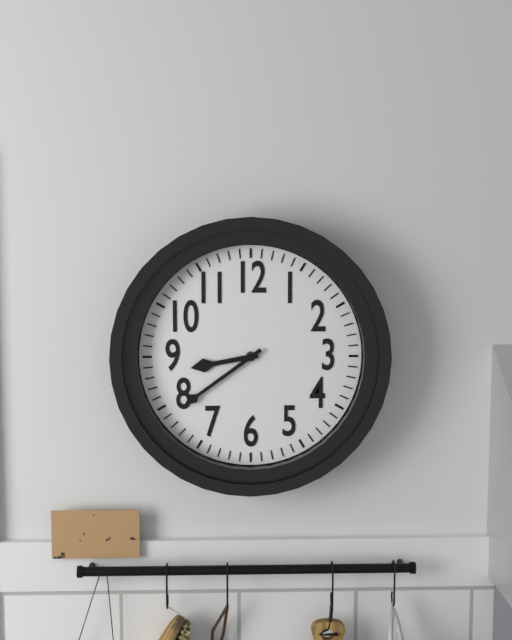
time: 8:39
